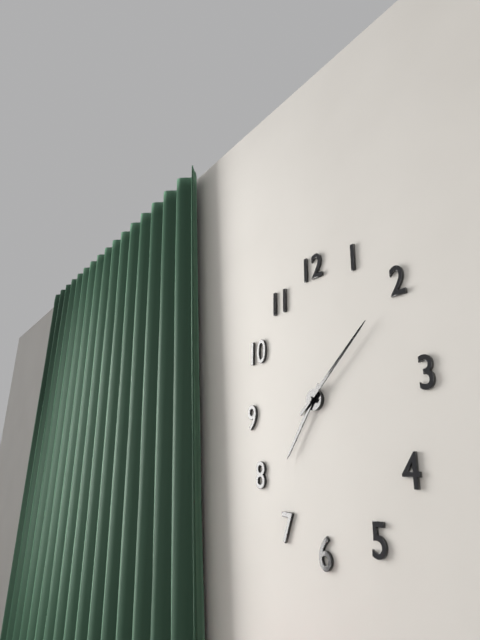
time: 7:08
